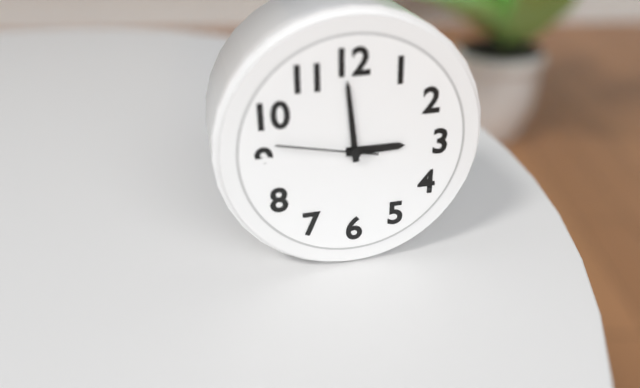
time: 2:59:47
